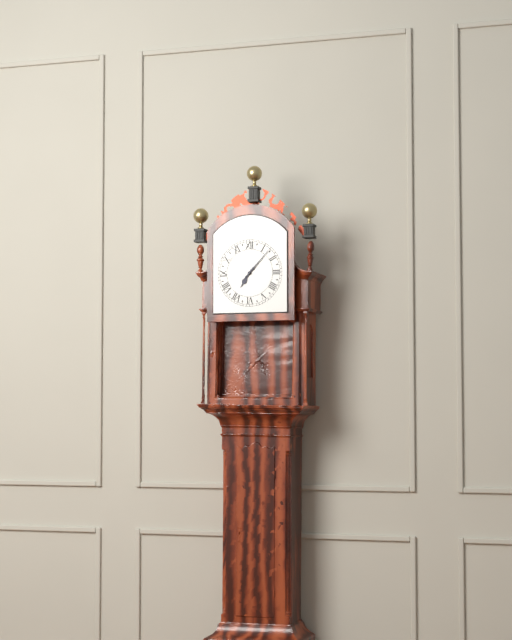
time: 7:07
